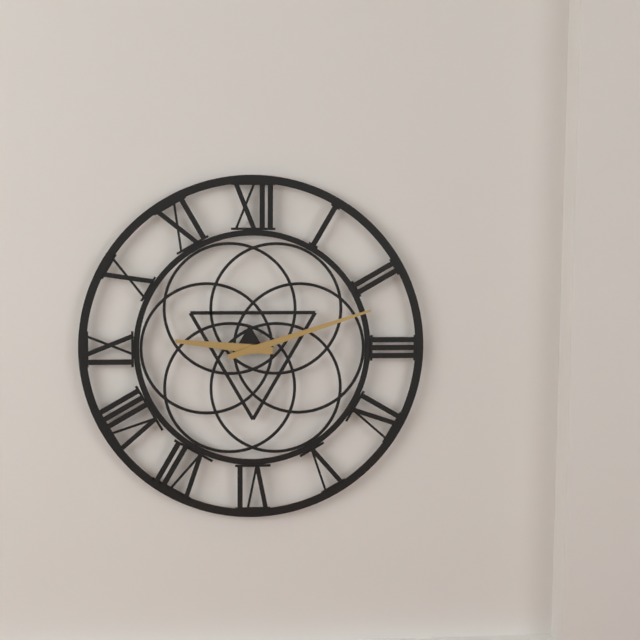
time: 9:12
